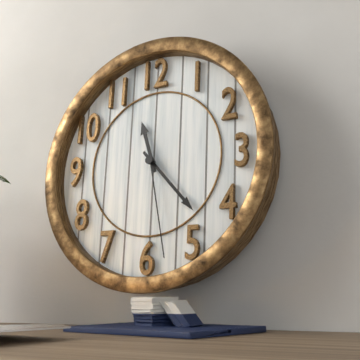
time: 11:23:28
